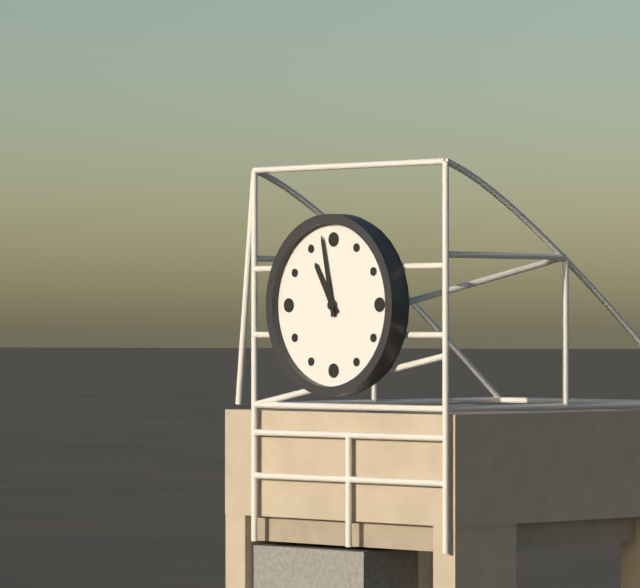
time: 10:58
